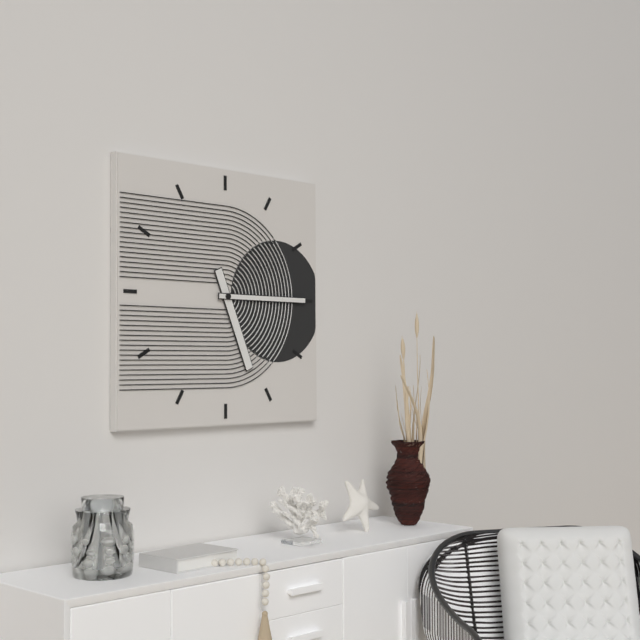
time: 5:15
